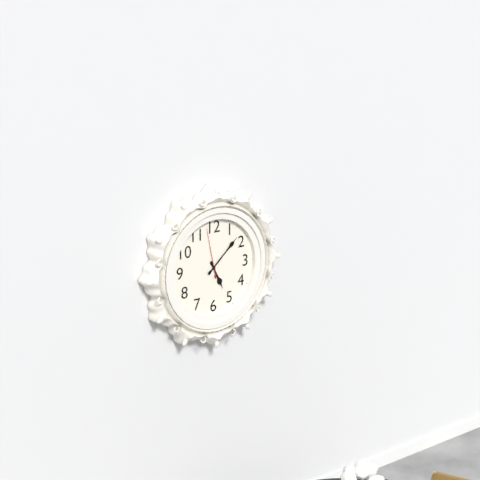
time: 5:08:58
